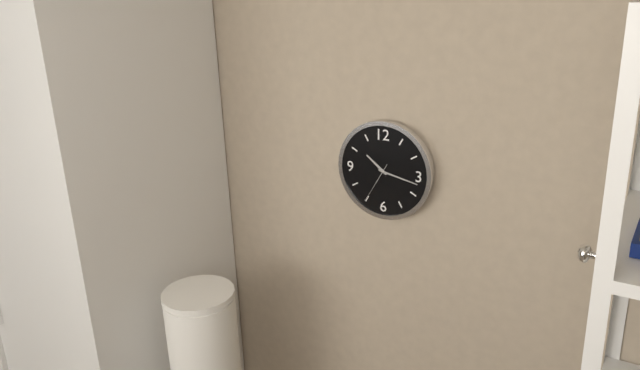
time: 10:17
